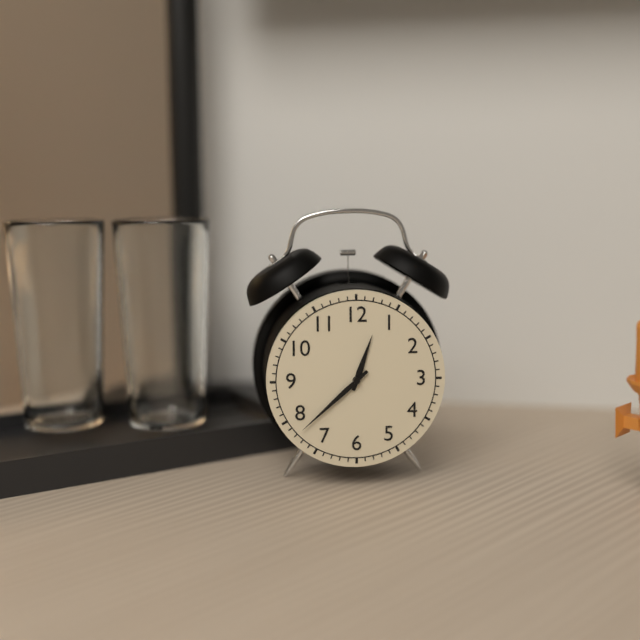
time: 12:38
